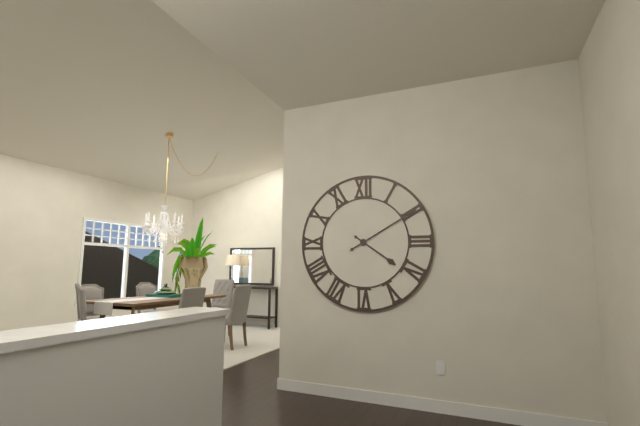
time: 4:10
